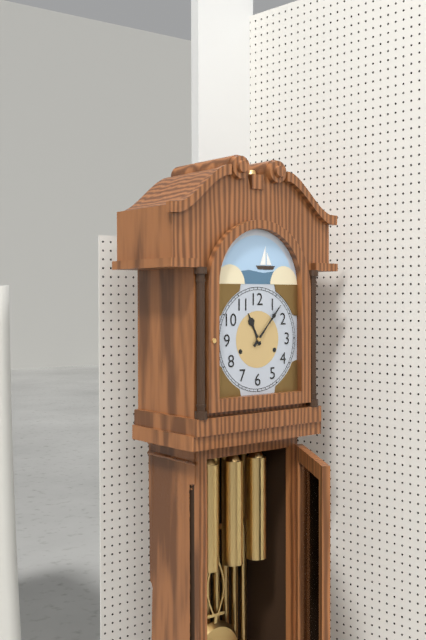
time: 11:07
